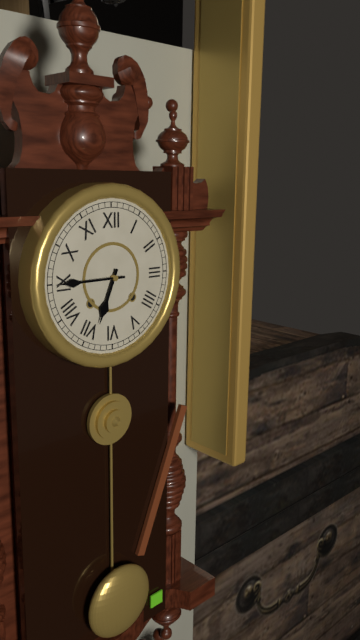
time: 6:45
